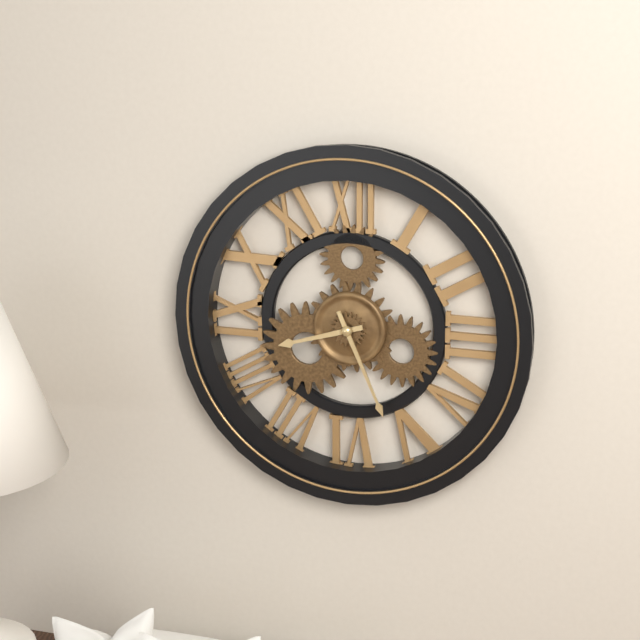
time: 8:26
